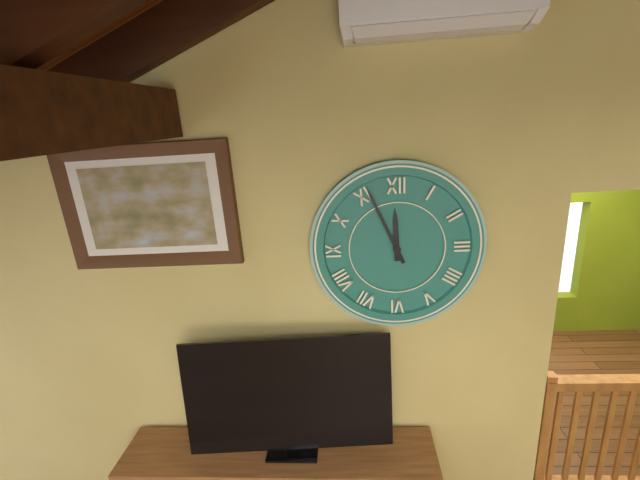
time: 11:56
